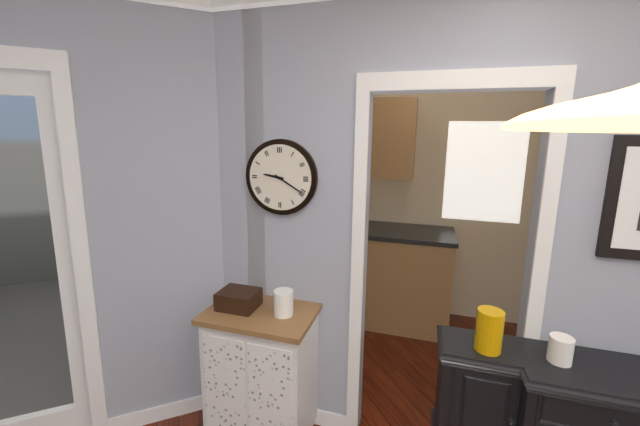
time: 9:20
